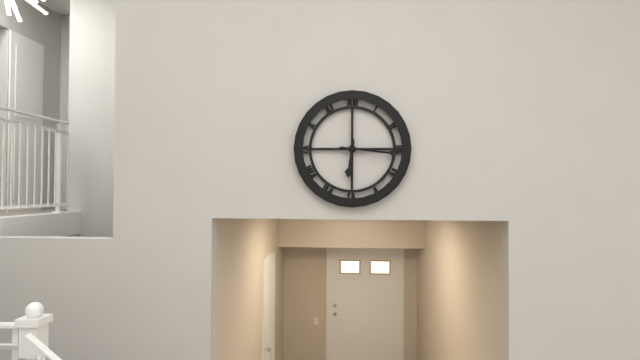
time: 6:16
